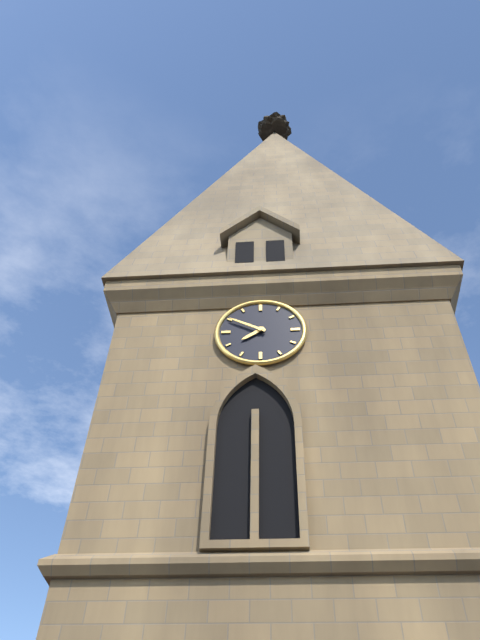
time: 7:50
